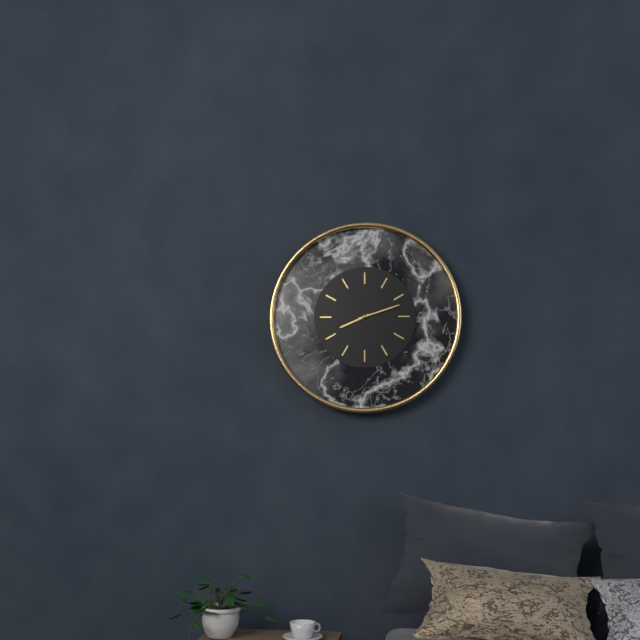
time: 8:12
